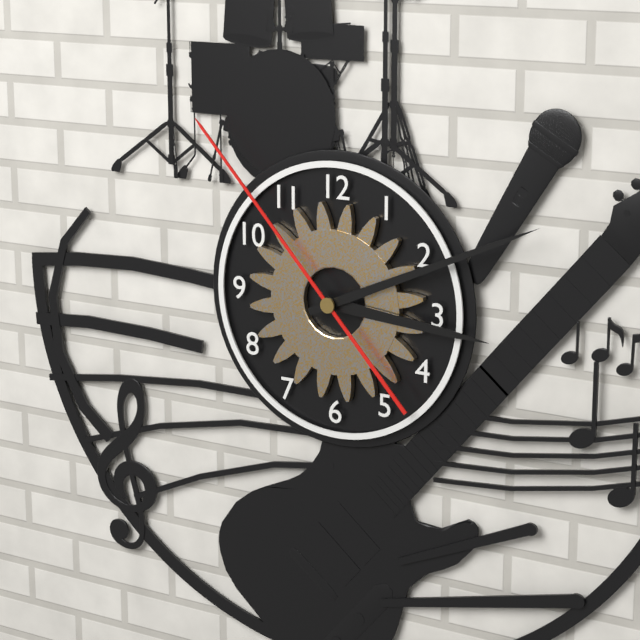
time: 3:11:53
